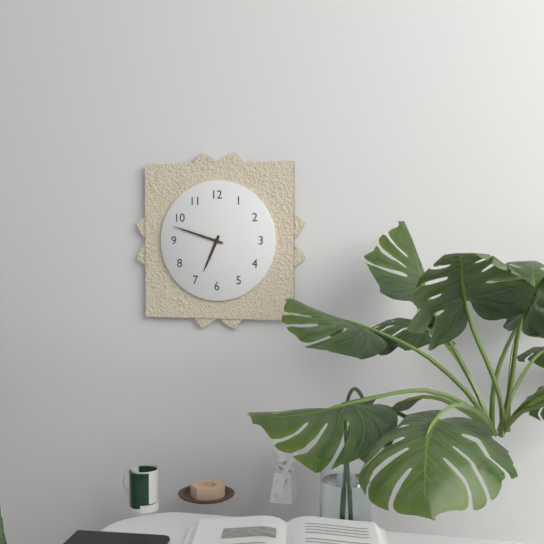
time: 6:48
